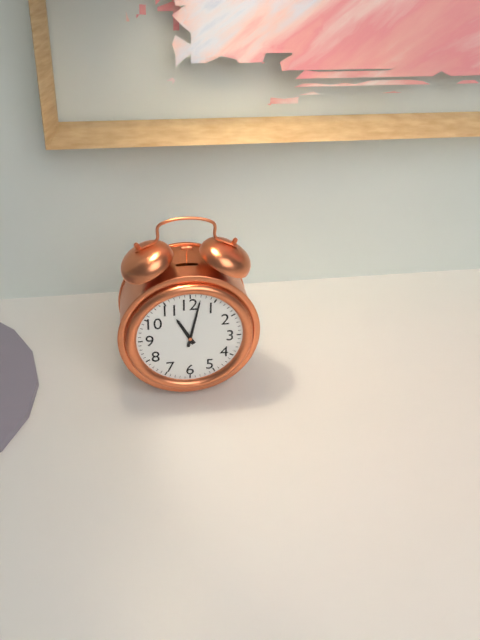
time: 11:02
